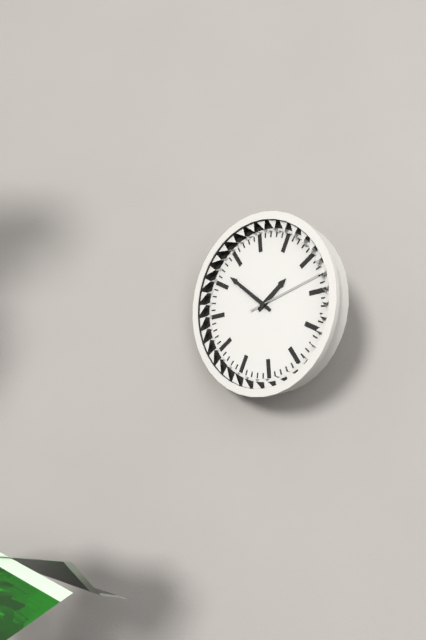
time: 1:52:13
